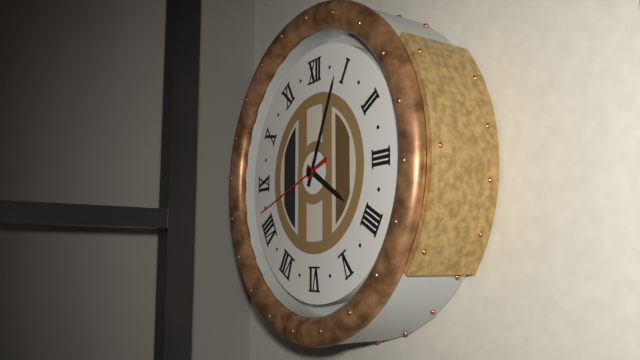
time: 4:04:42
